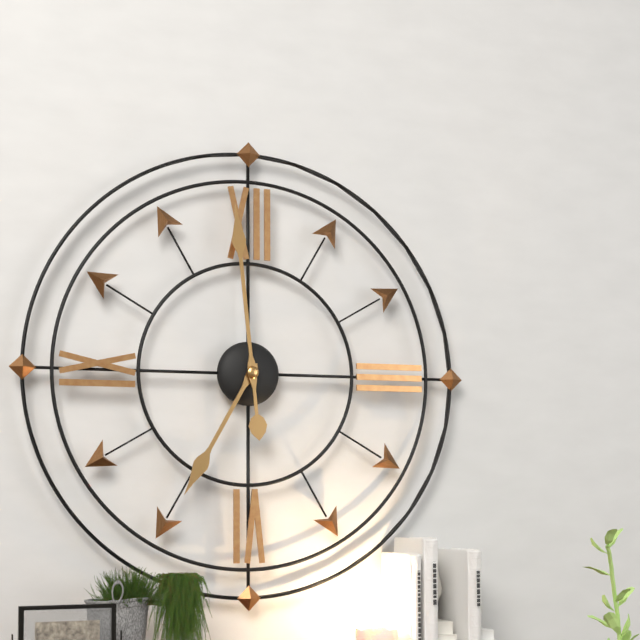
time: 6:59
